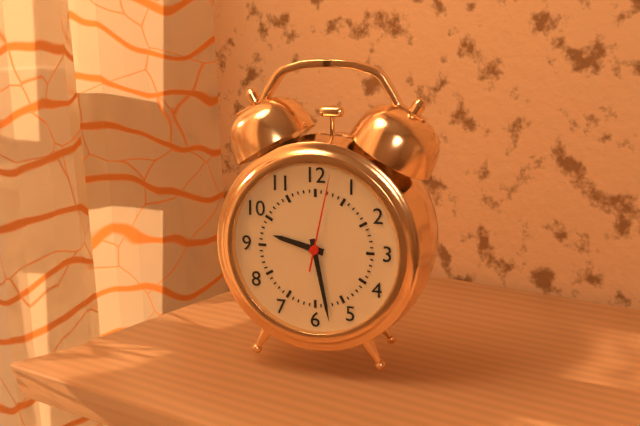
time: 9:28:02
